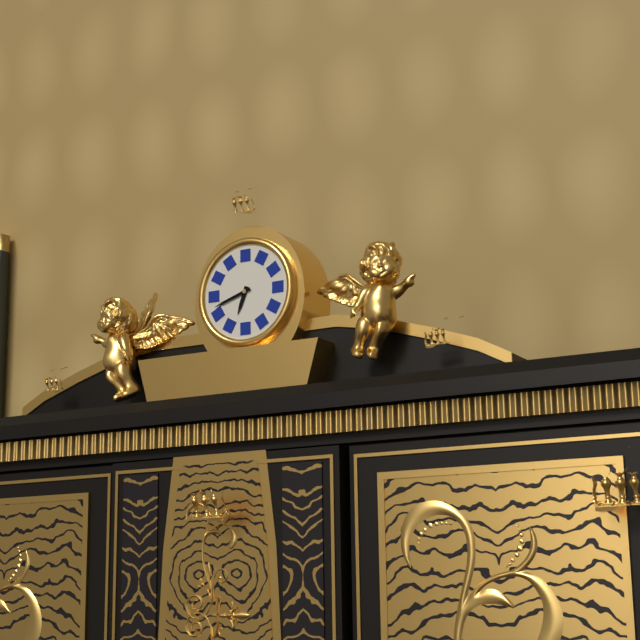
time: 6:42
